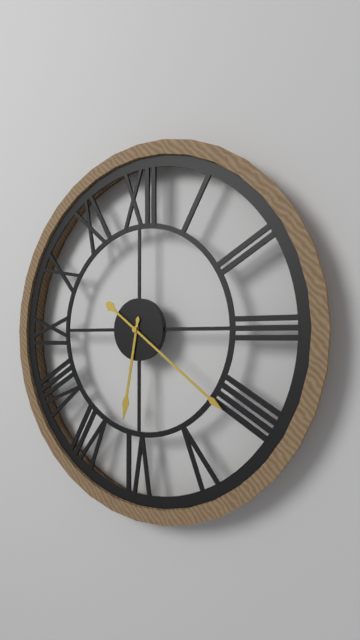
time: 6:21
